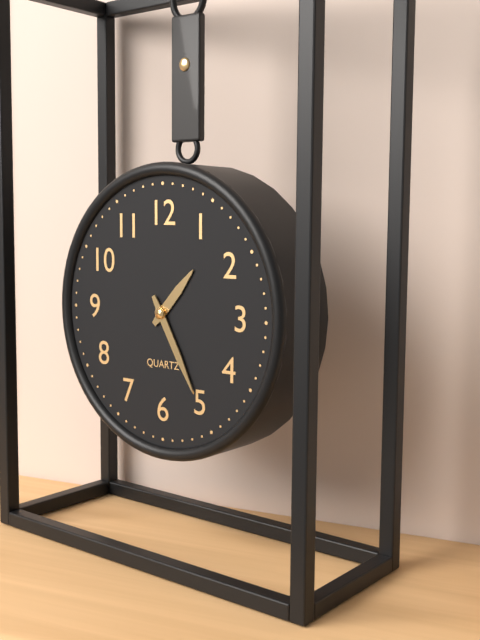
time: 1:25
